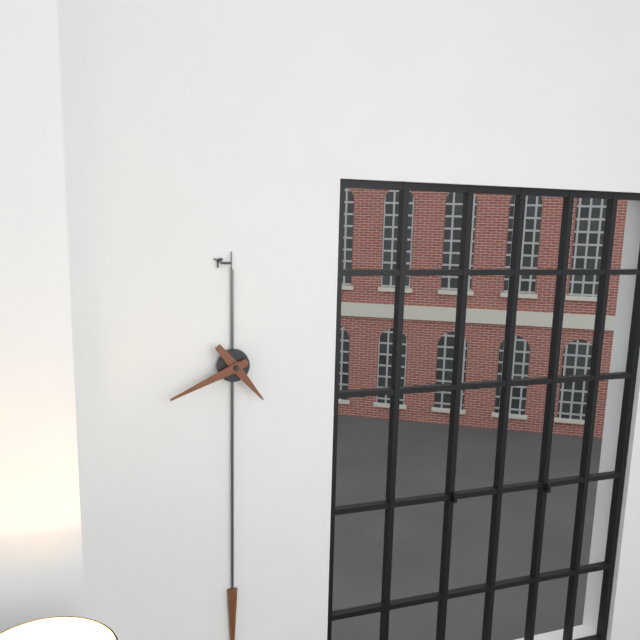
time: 4:41
